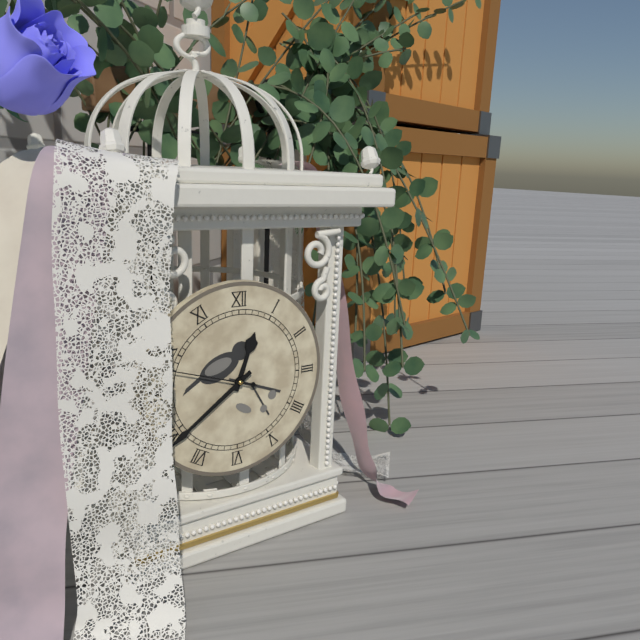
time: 12:39:48
